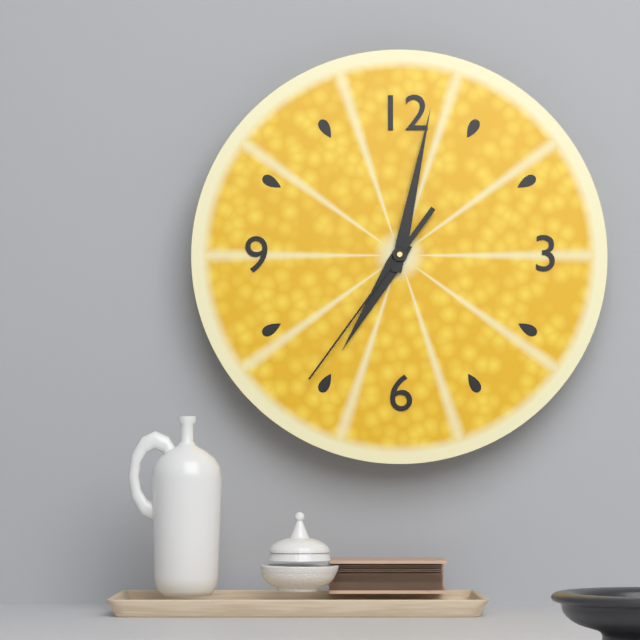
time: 7:02:36
